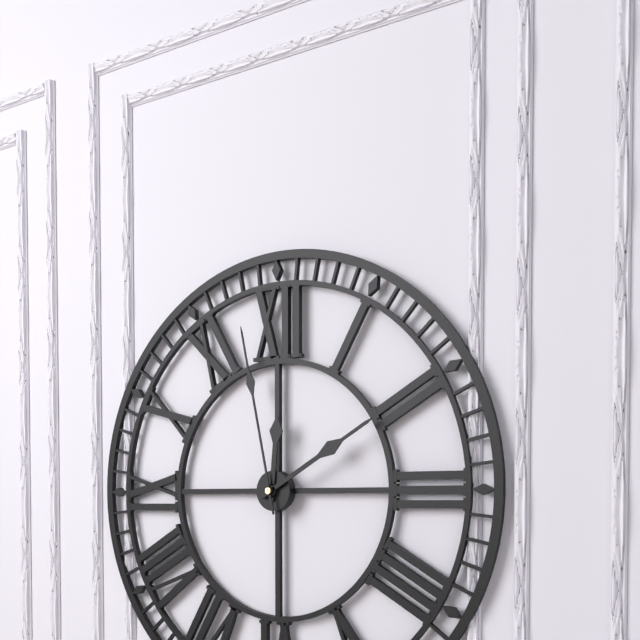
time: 12:10:58
